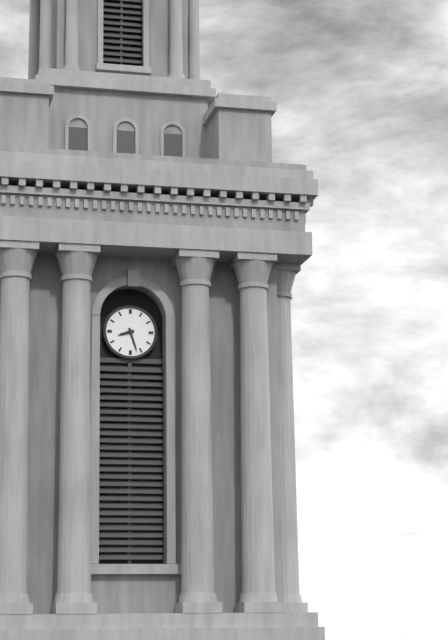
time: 8:27
